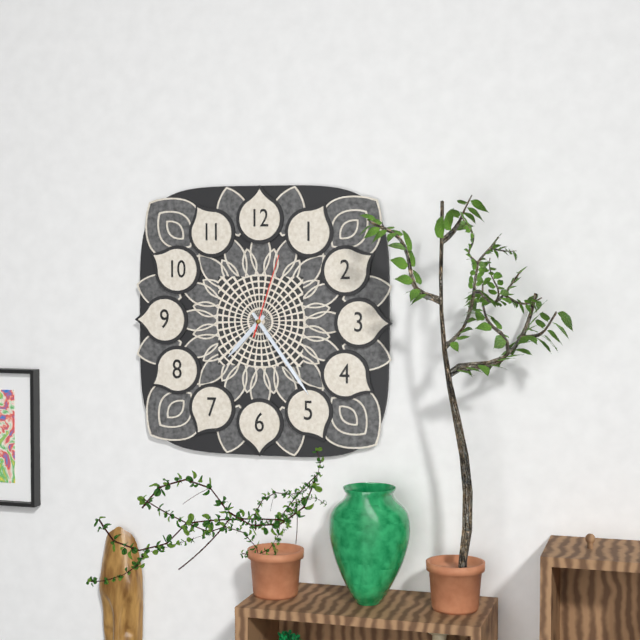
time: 7:24:03
